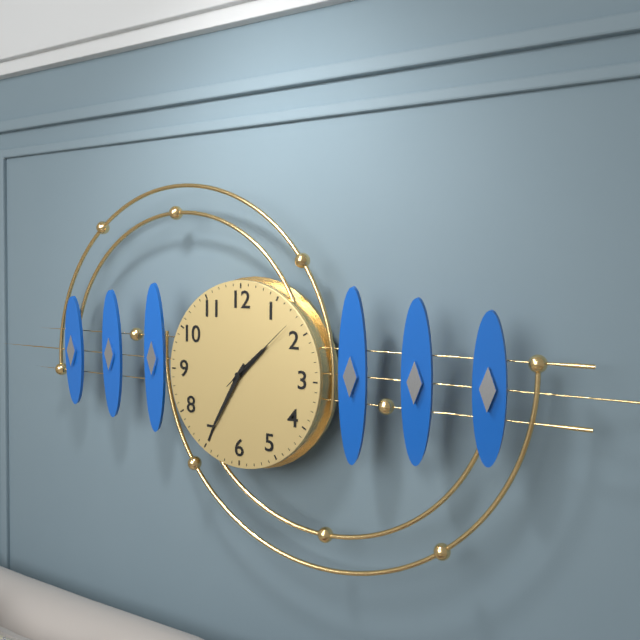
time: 1:35:08
